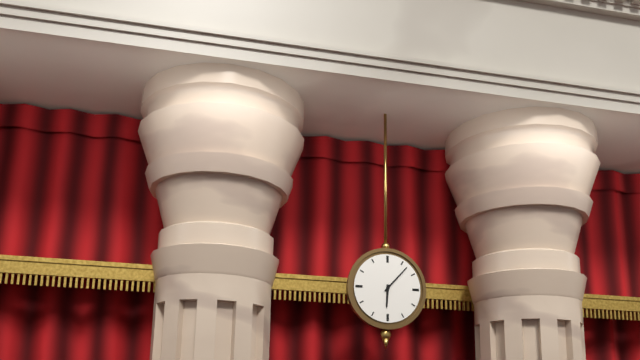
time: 6:07
